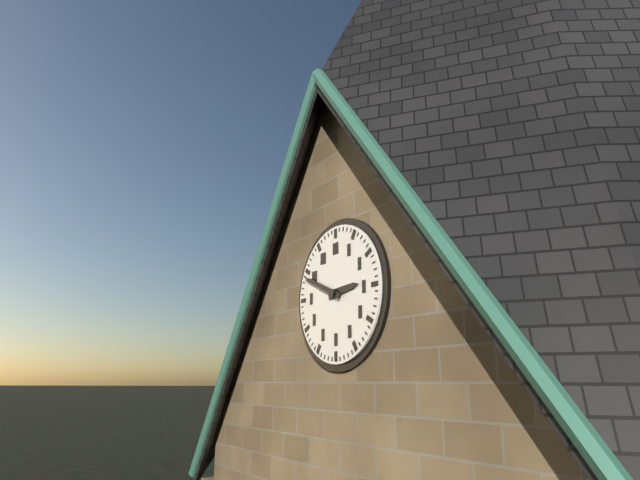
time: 2:49
